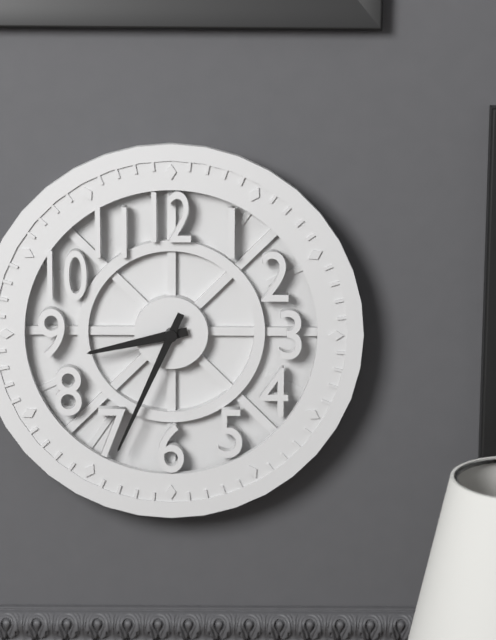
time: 8:34
